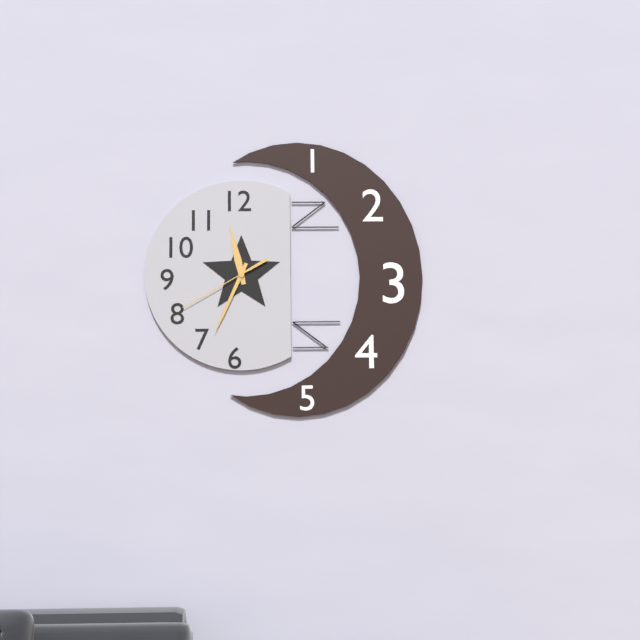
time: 11:34:40
